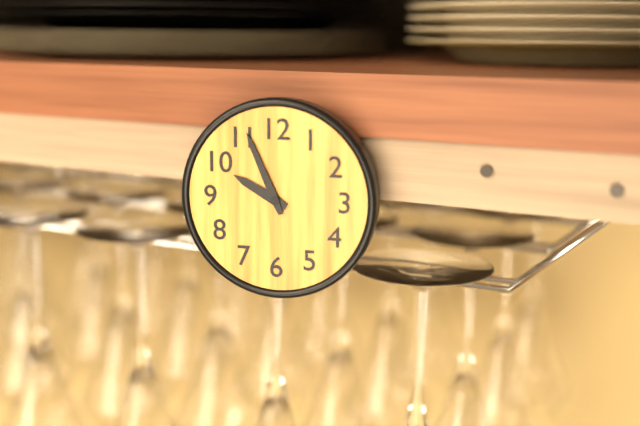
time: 9:56
